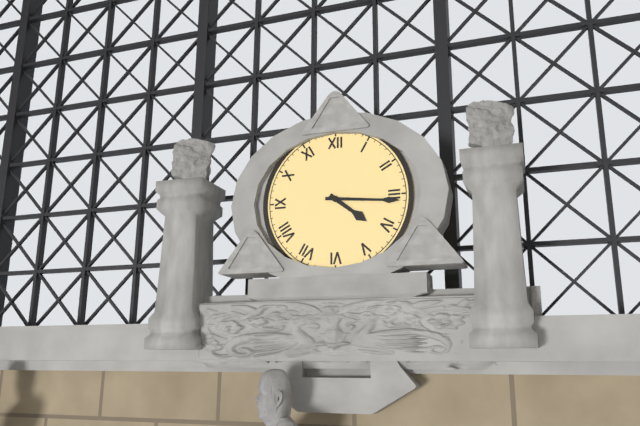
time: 4:16
